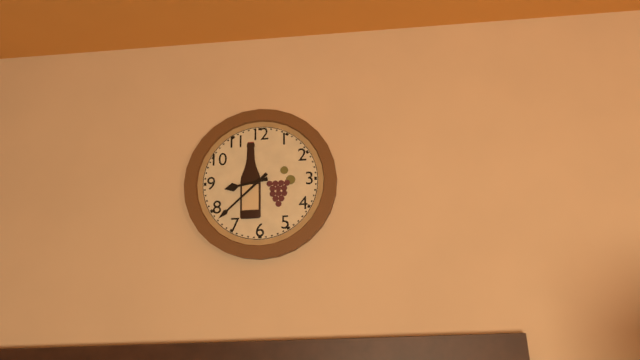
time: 8:38
